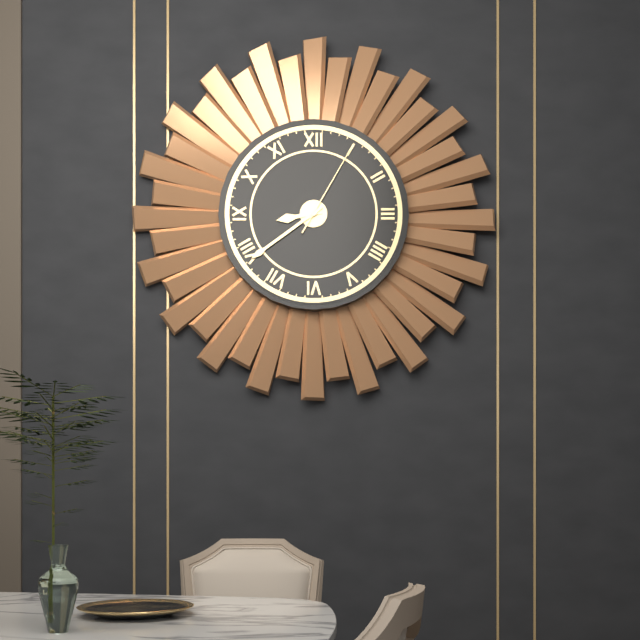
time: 8:39:05
